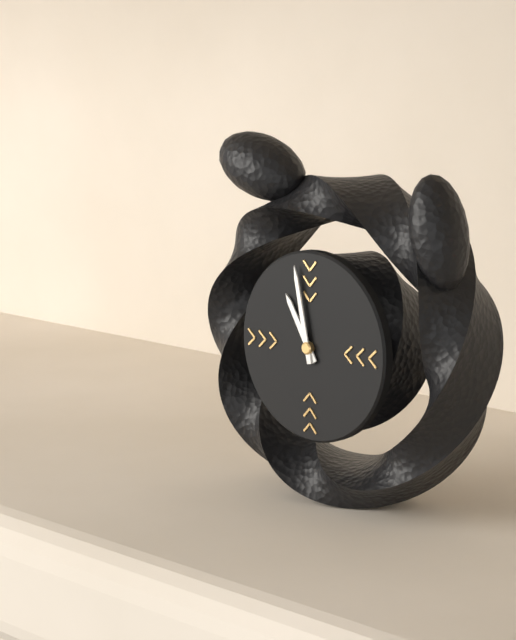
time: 10:58
